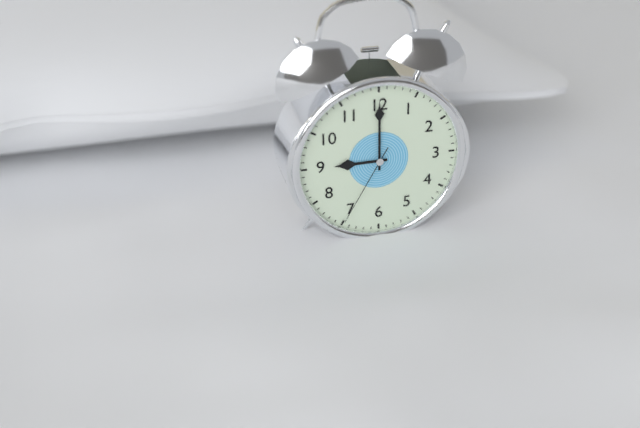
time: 9:00:35
